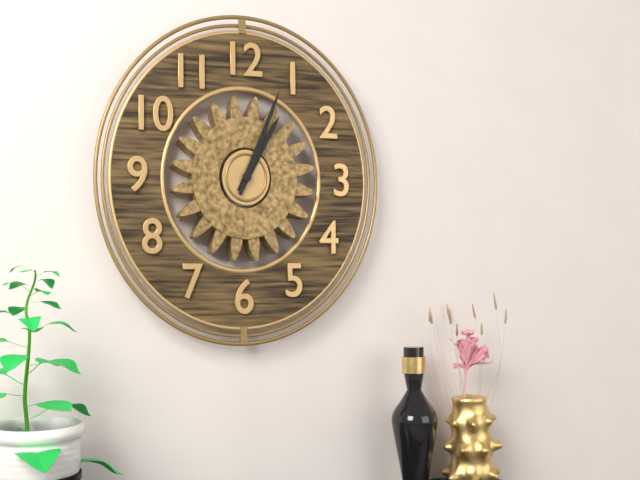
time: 1:04
